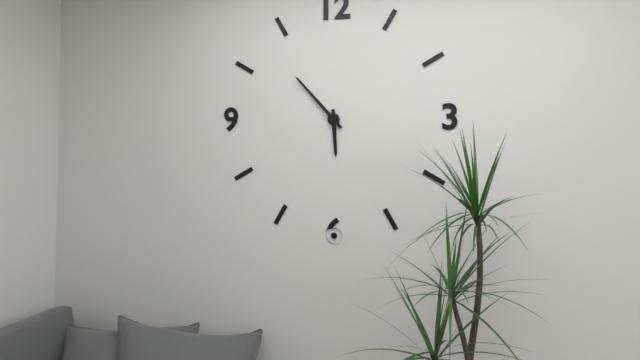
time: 5:53
